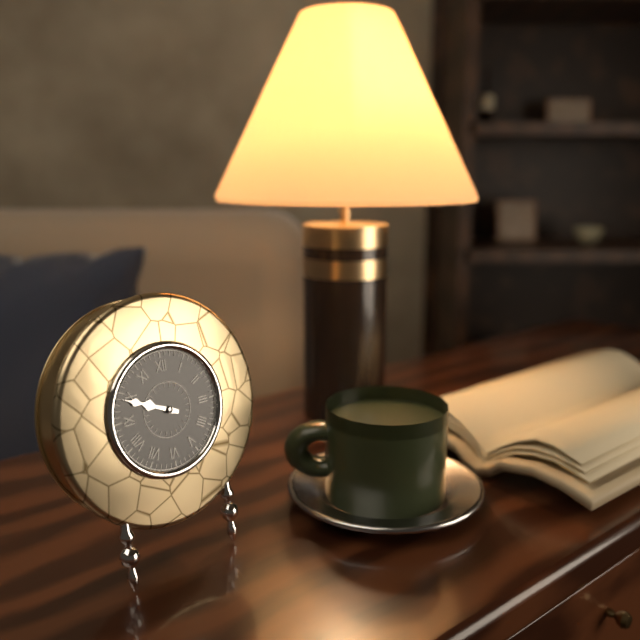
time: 9:49
